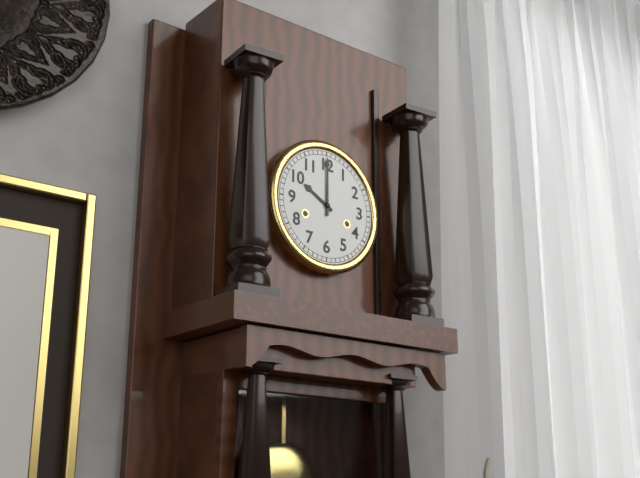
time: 10:00
